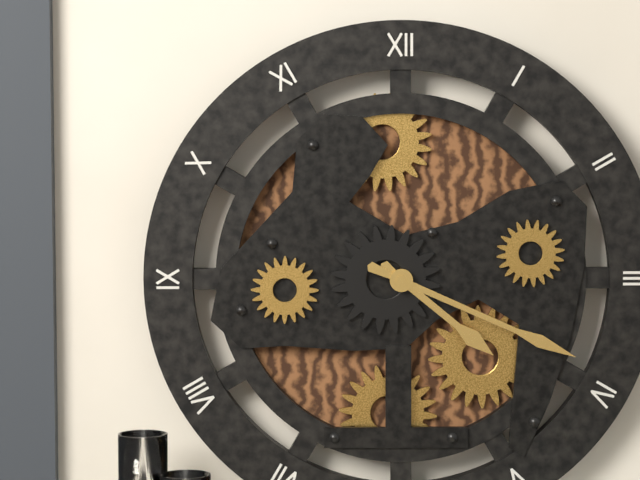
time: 4:19
